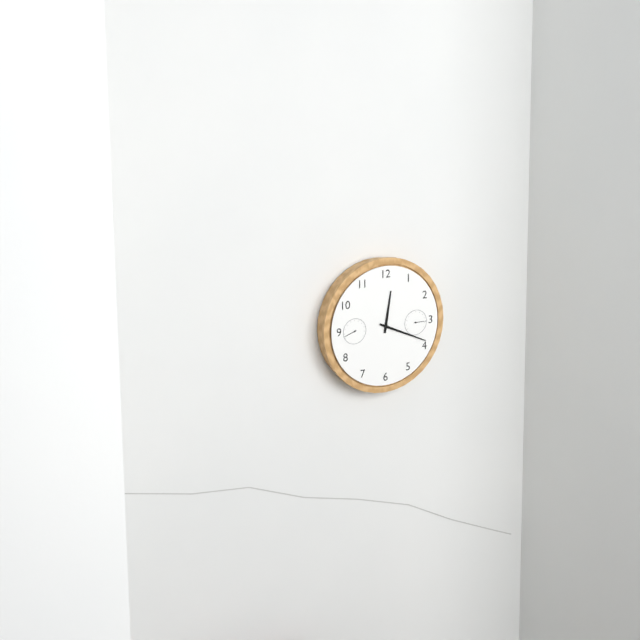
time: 12:19
